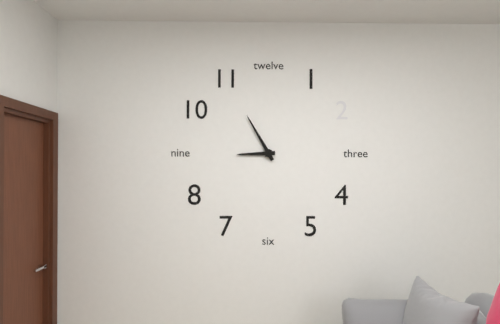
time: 8:55
